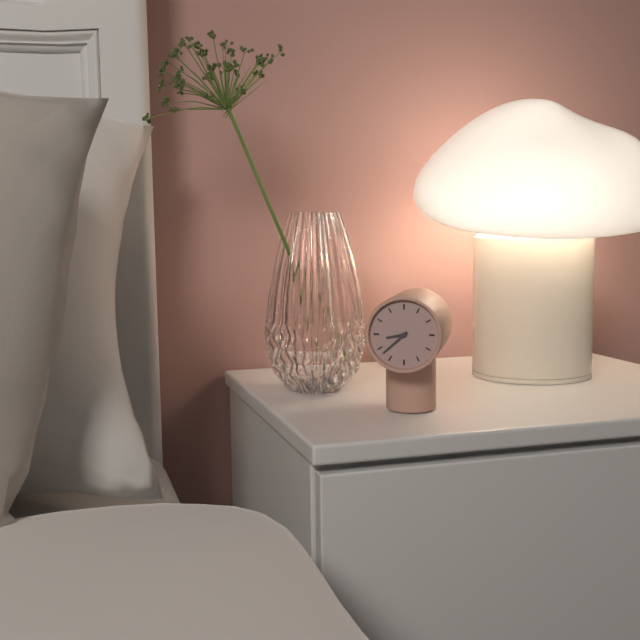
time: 8:38
